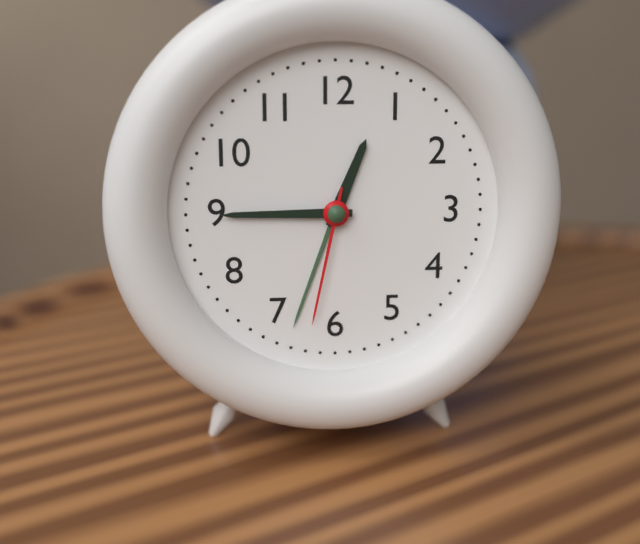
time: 12:45:32
